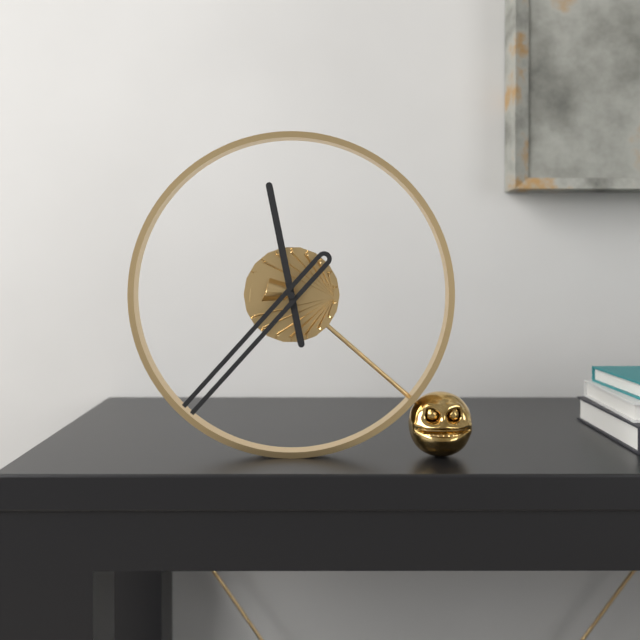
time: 11:37
